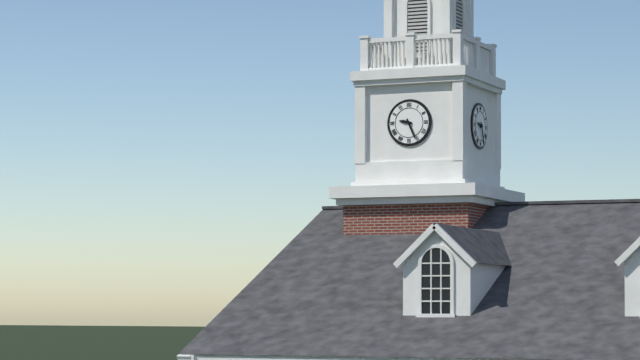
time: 9:26
